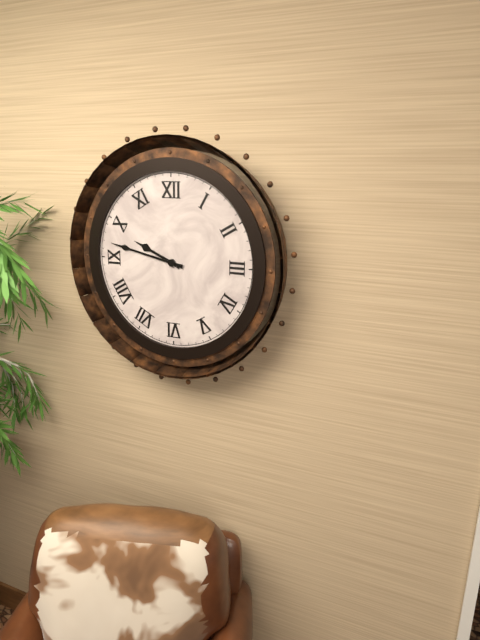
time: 9:47
